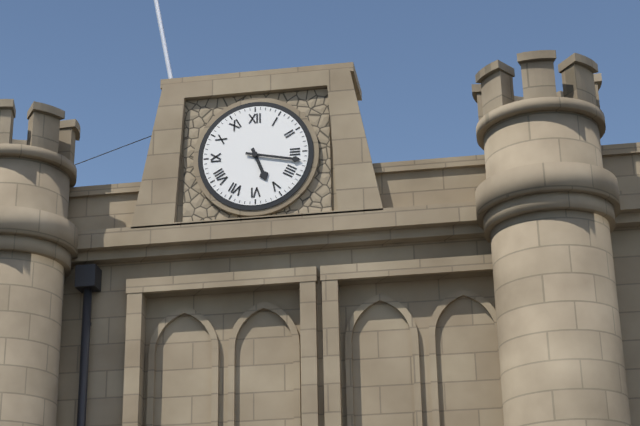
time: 5:17
